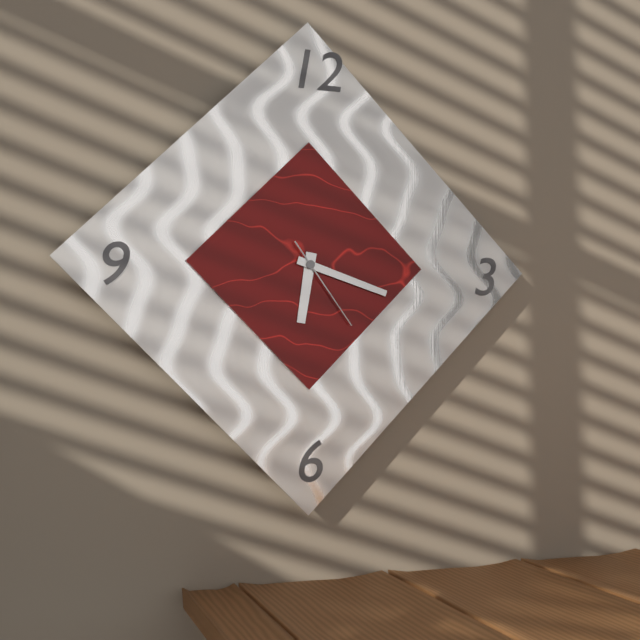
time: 6:18:24
